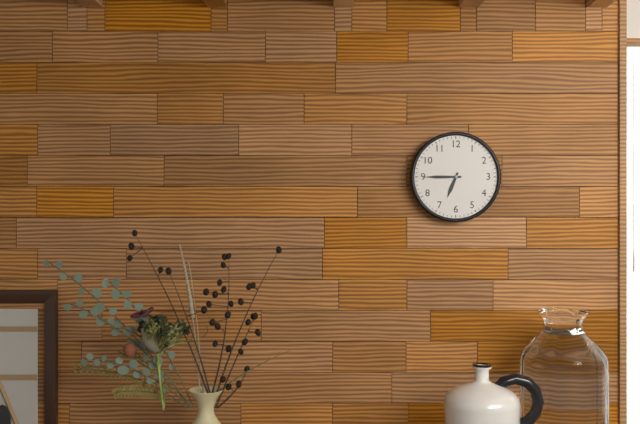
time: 6:45
